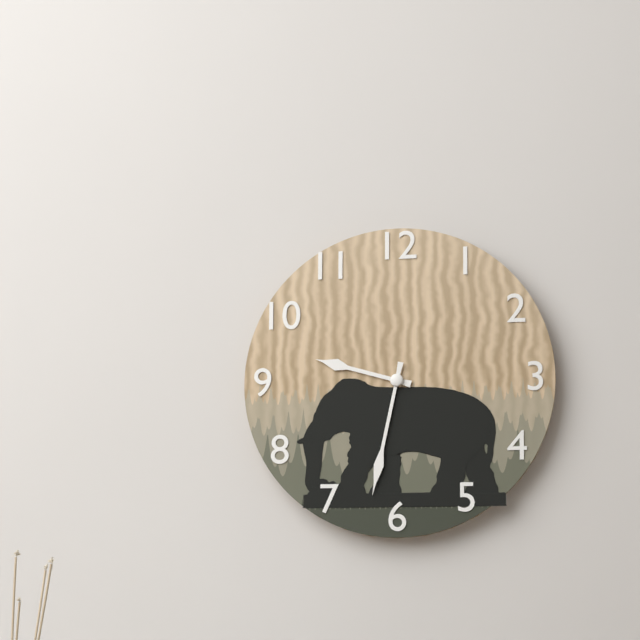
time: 9:32
